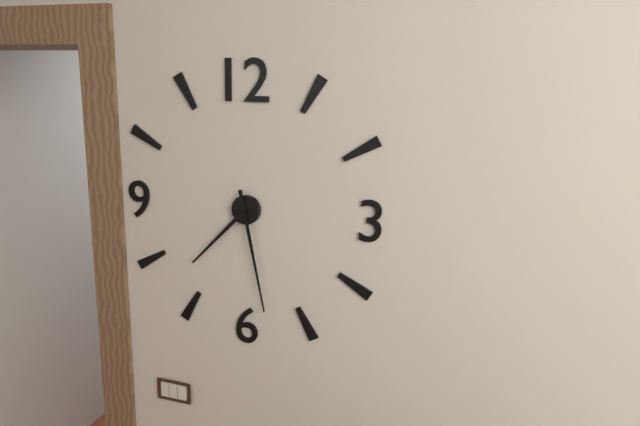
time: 7:28
